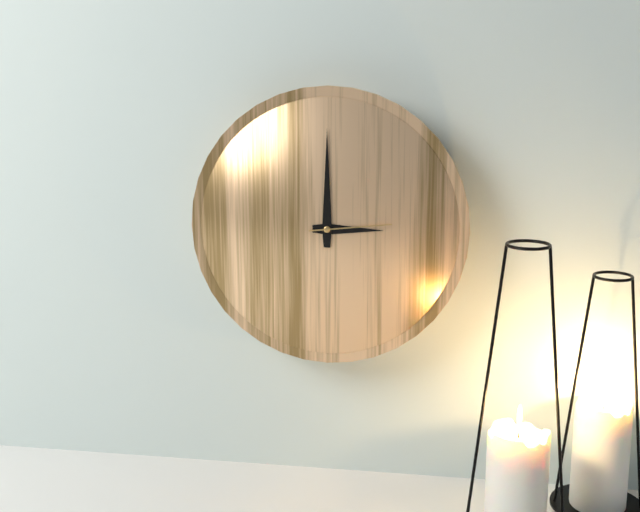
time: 3:00:14
